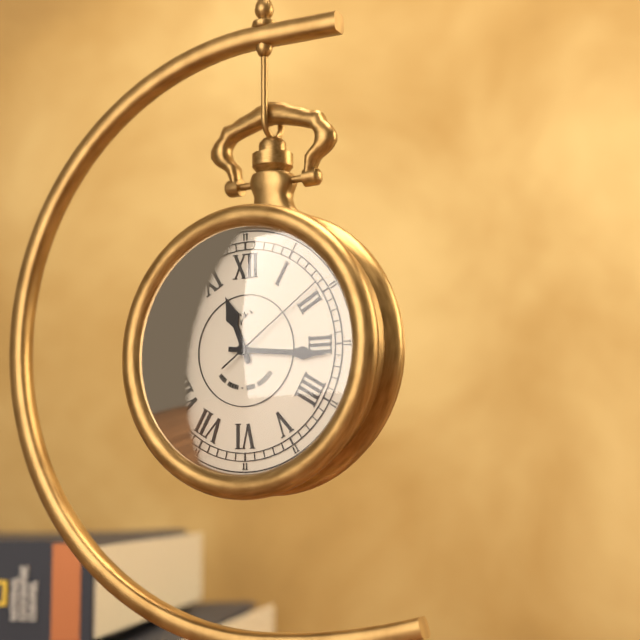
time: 11:16:09
